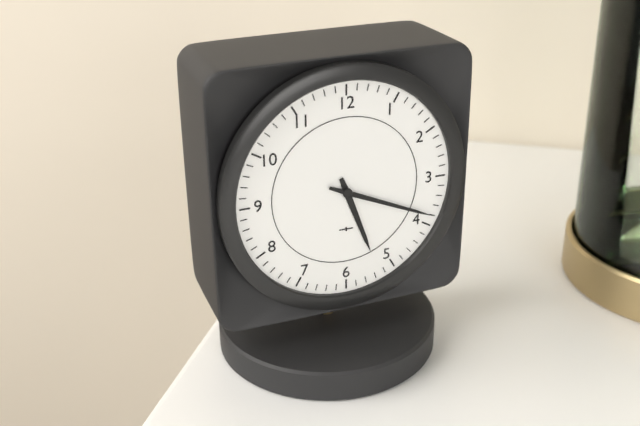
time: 5:19
